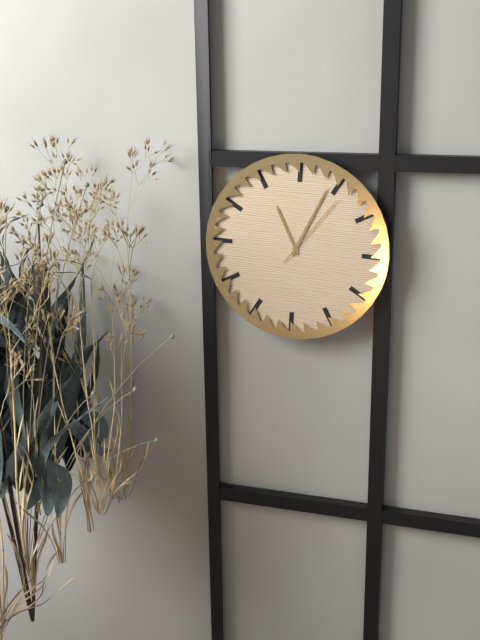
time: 11:04:06
